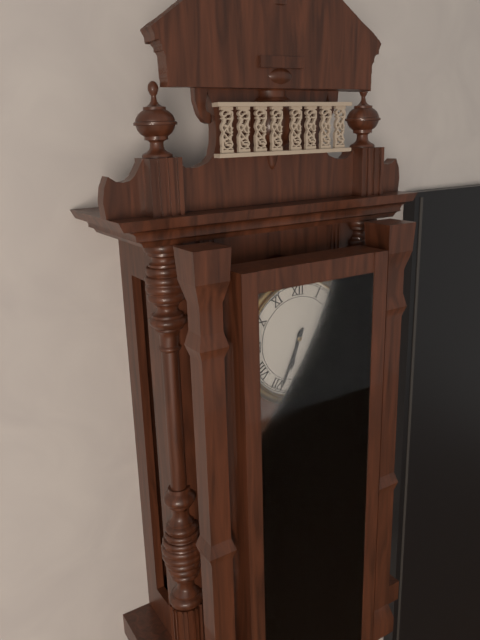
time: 6:34
